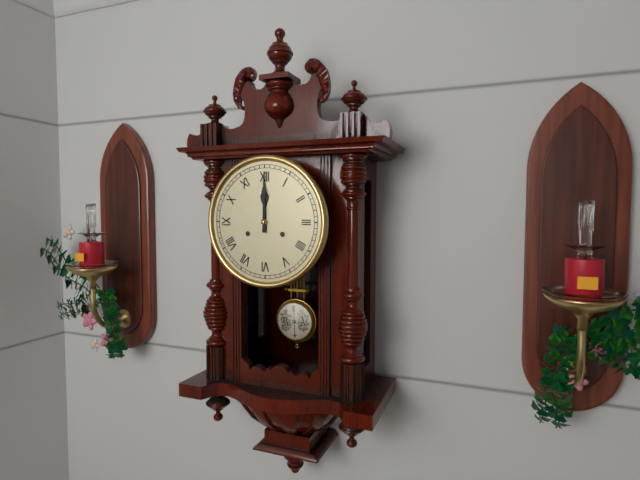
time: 12:00
